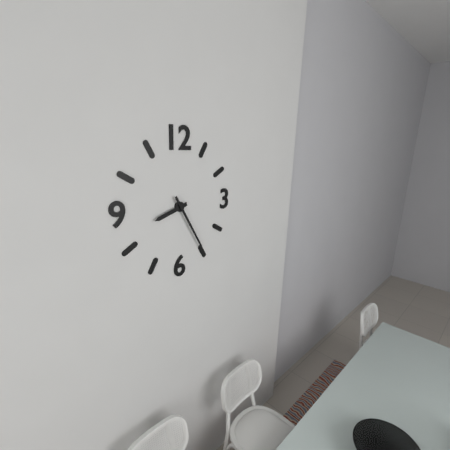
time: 8:25
